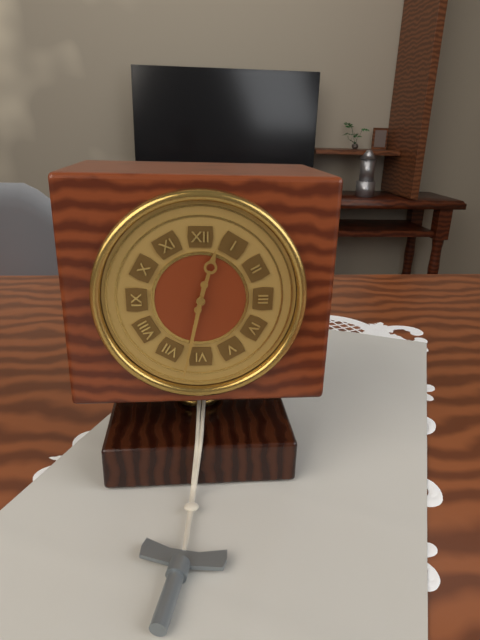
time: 12:32
